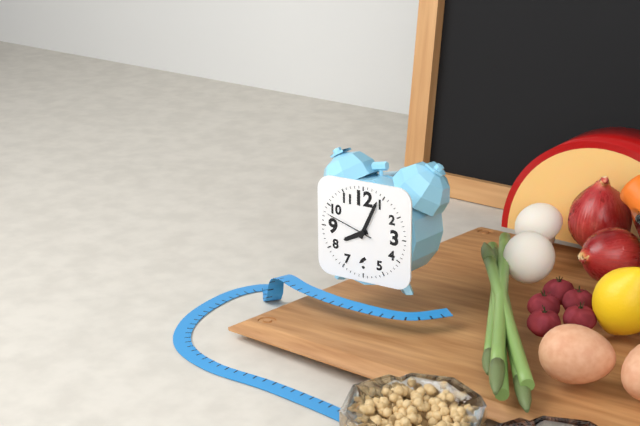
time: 8:04:48
